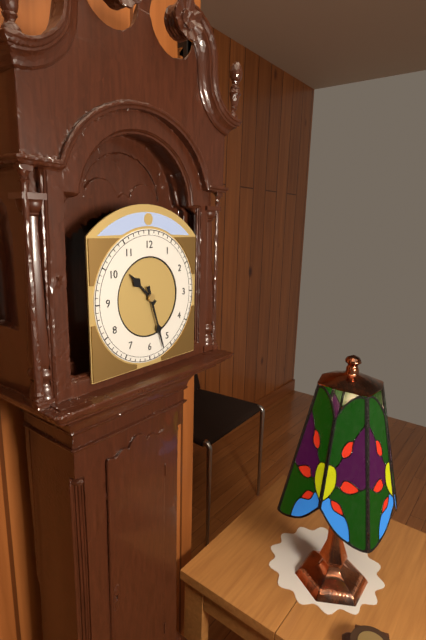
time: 10:27
